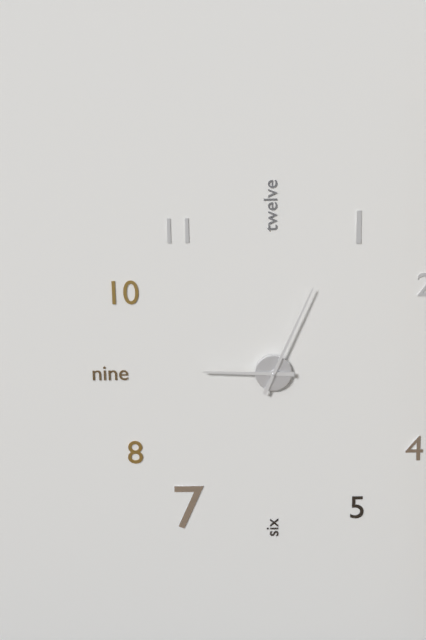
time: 9:04
